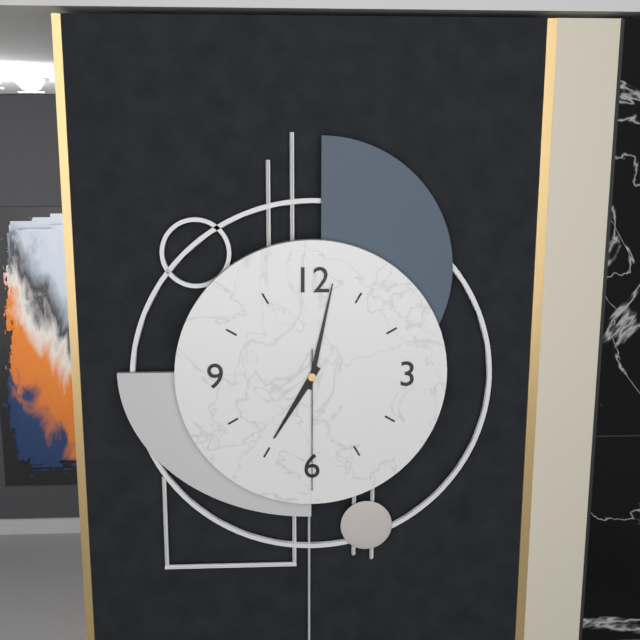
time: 7:02:30
